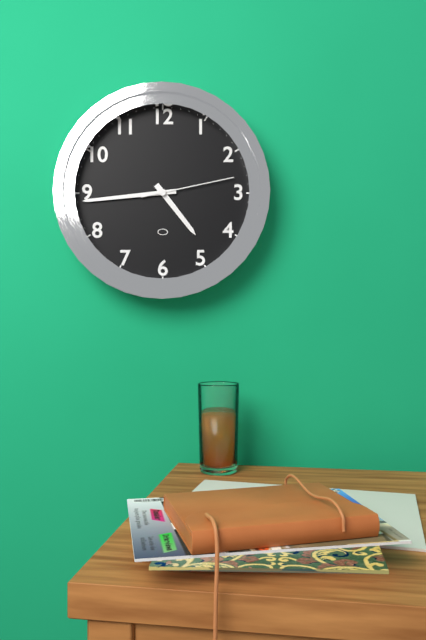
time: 4:44:13
